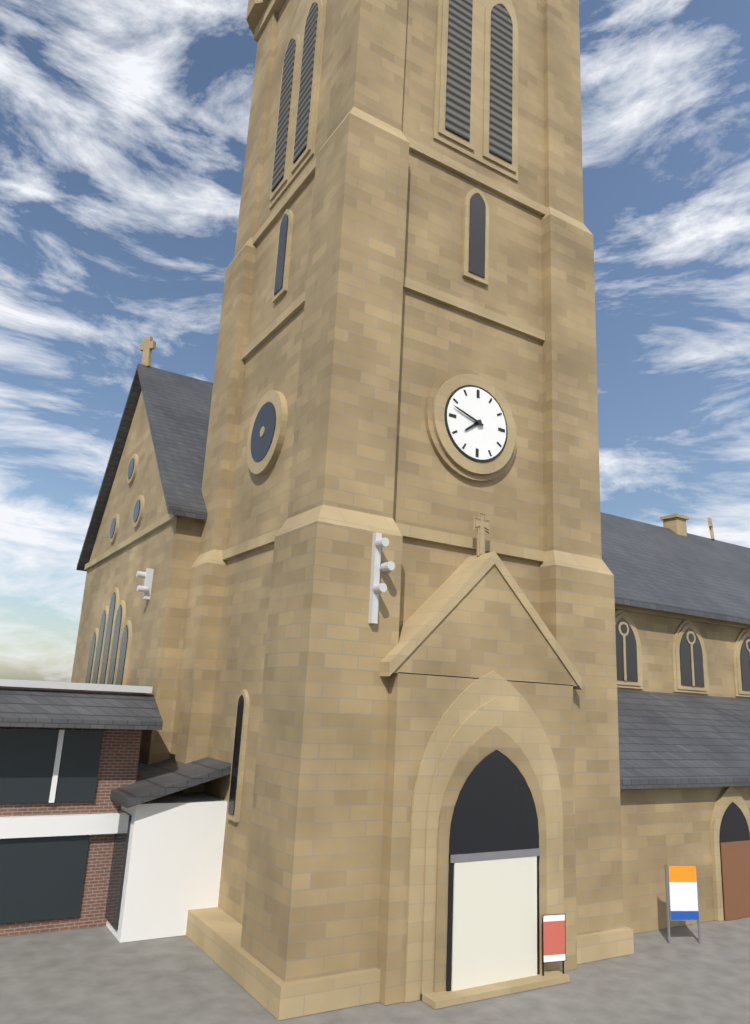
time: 7:48
